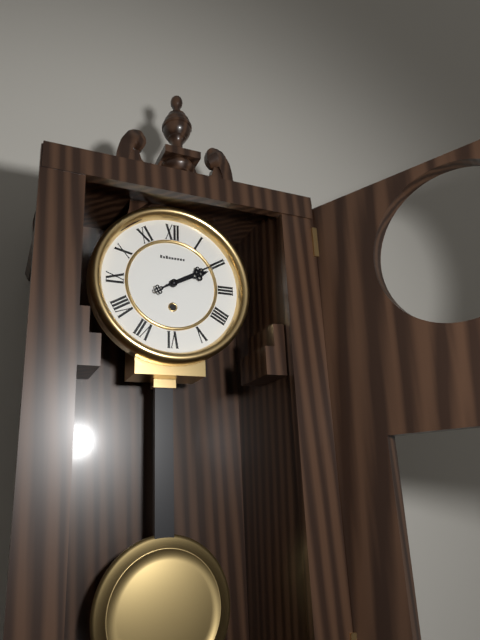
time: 2:10
